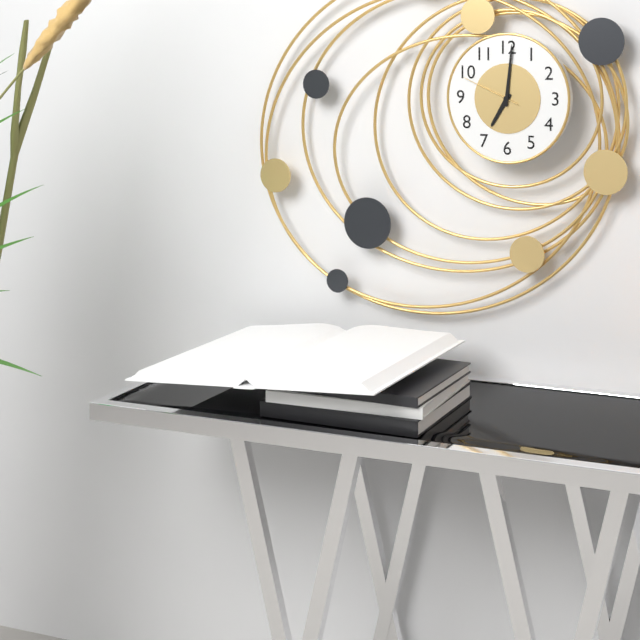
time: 7:01:49
